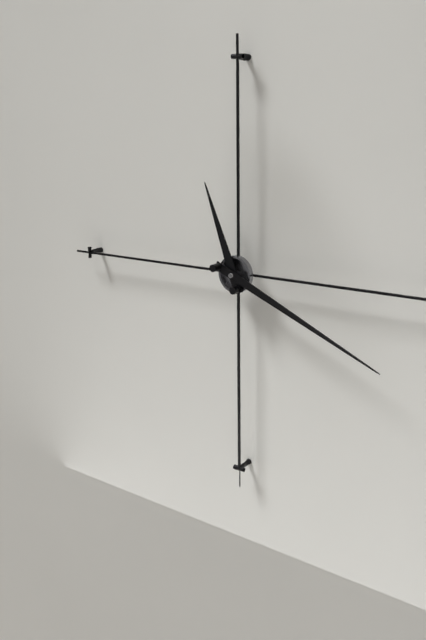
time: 11:19
